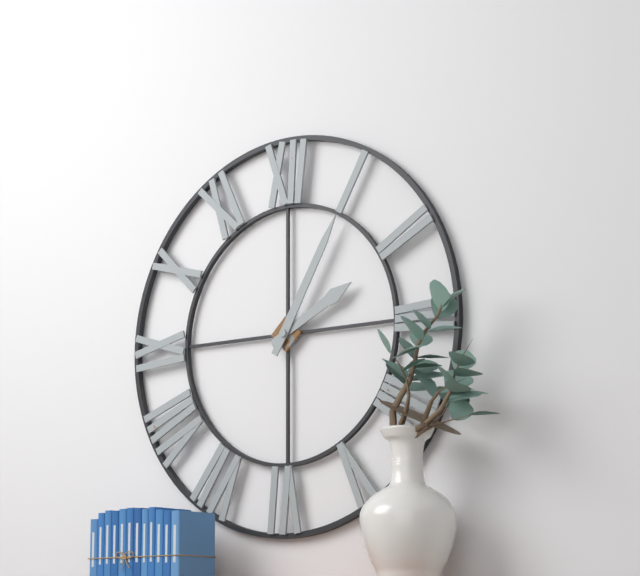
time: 2:05
